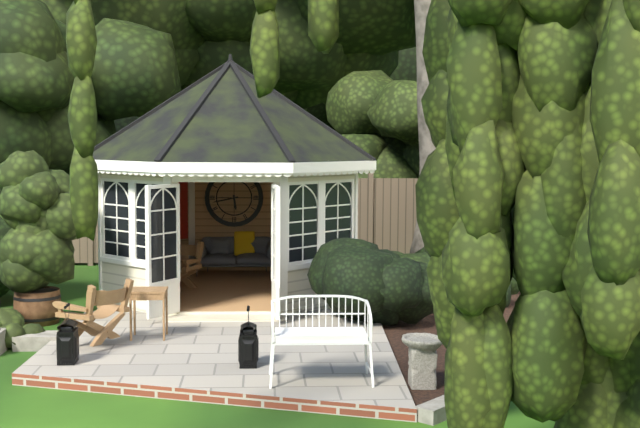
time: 5:43
